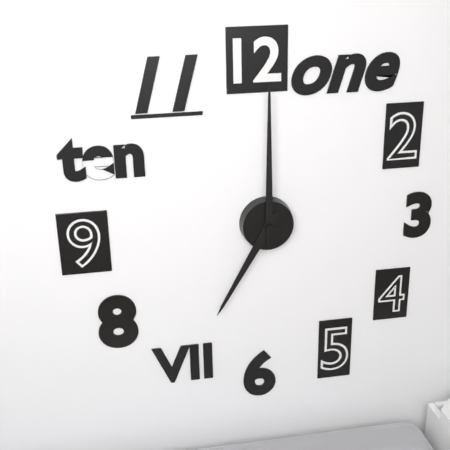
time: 7:00
